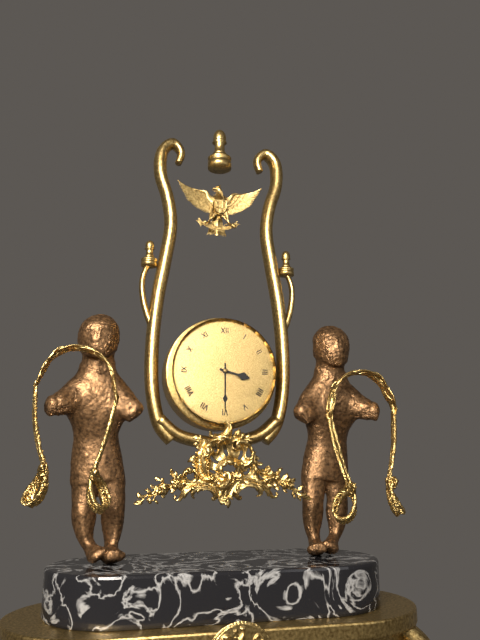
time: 3:30
